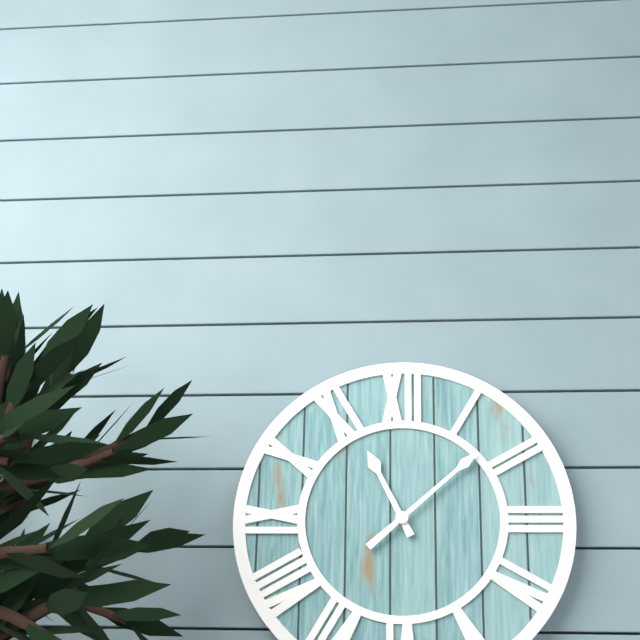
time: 11:08
